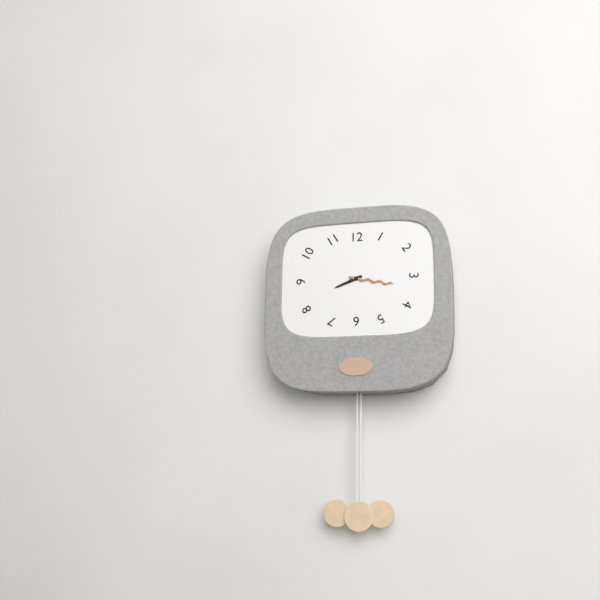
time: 8:17
